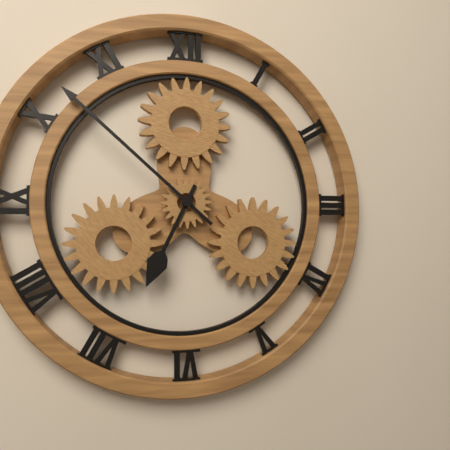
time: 6:52
